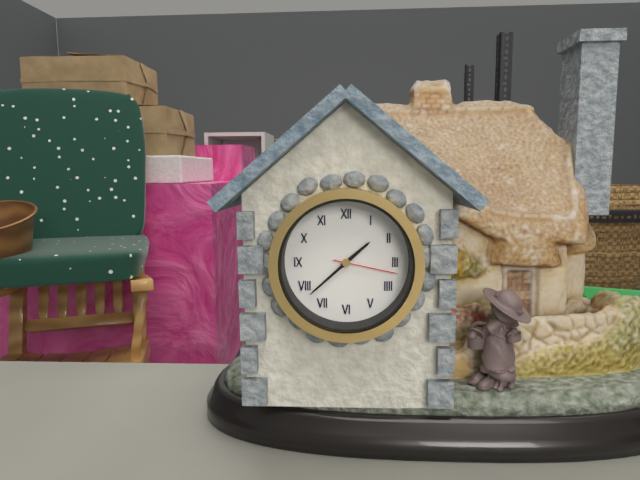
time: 1:38:17
